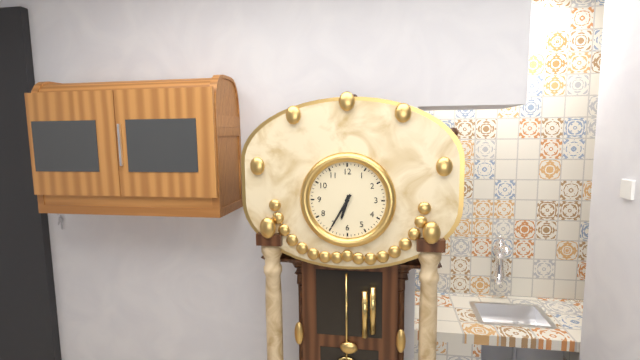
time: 6:35
